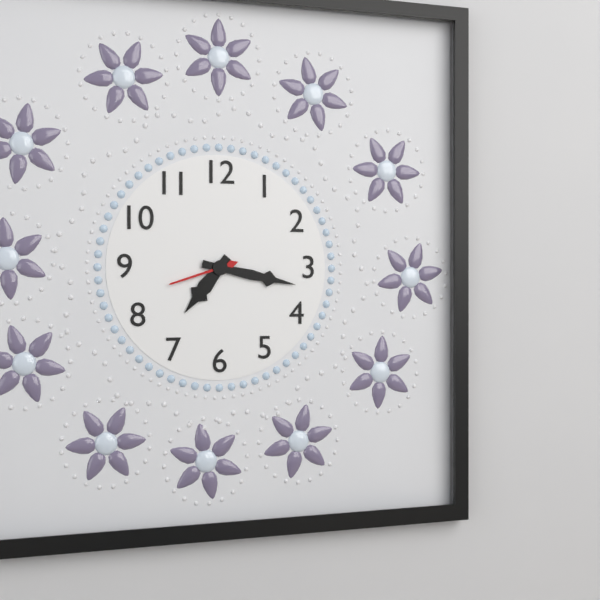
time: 7:17:42
